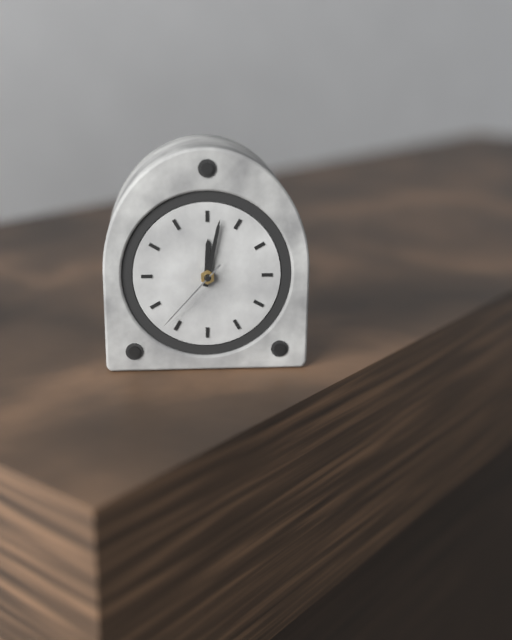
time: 12:02:37
